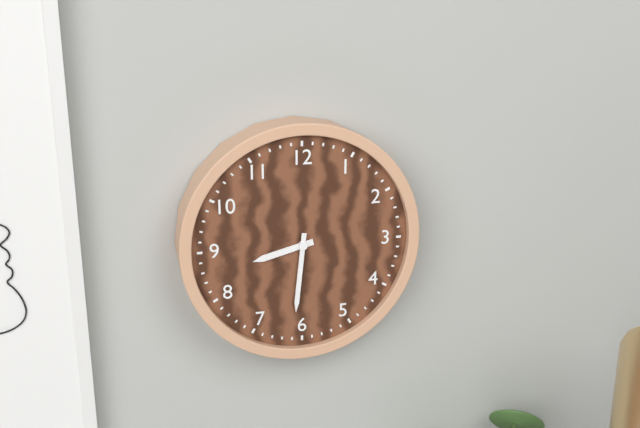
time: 8:31
